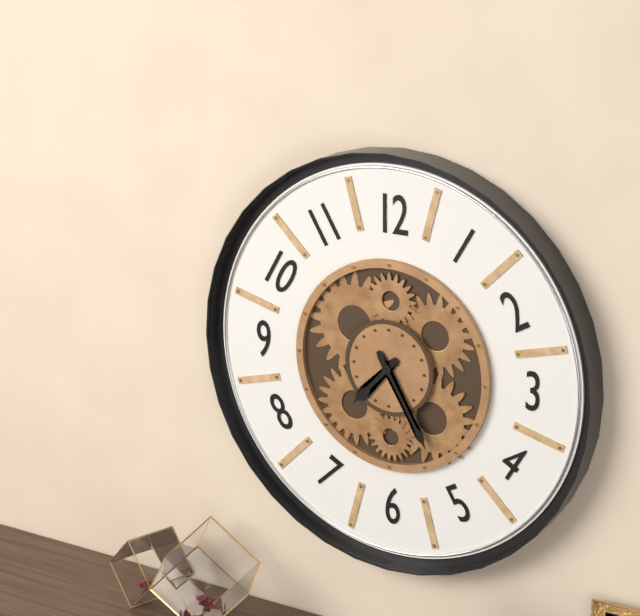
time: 7:25
